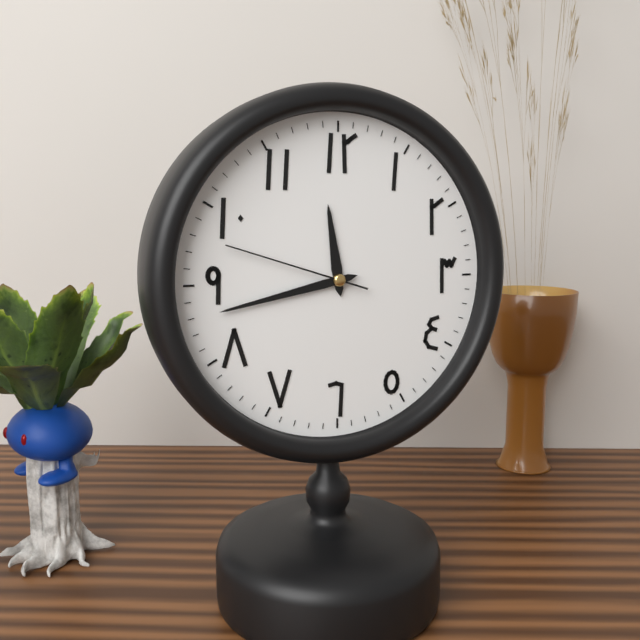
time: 11:43:48
